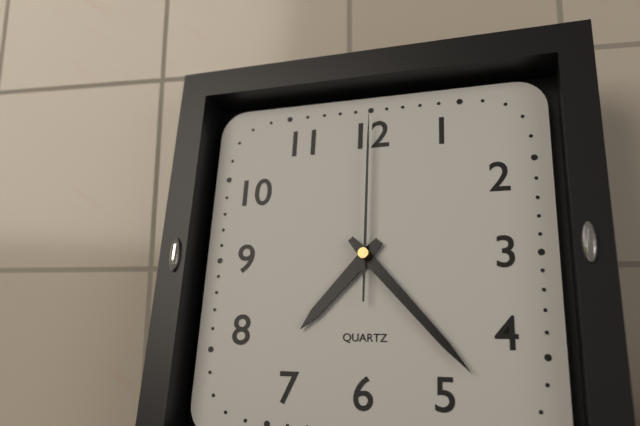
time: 7:23:00
